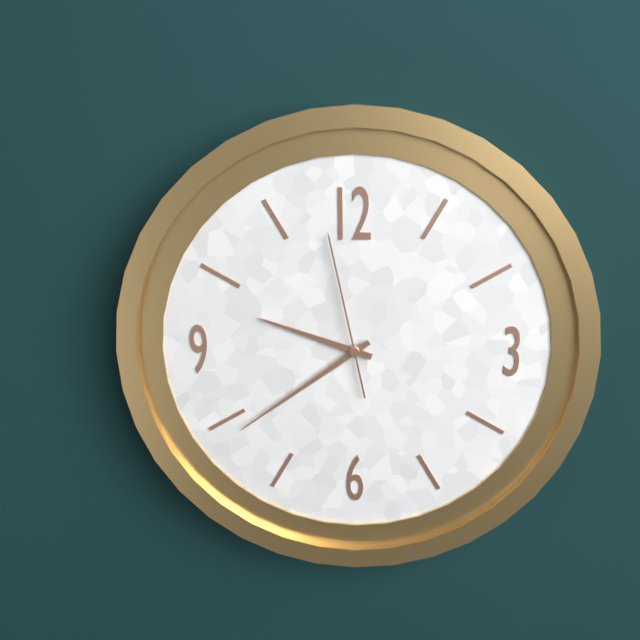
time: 9:39:58
